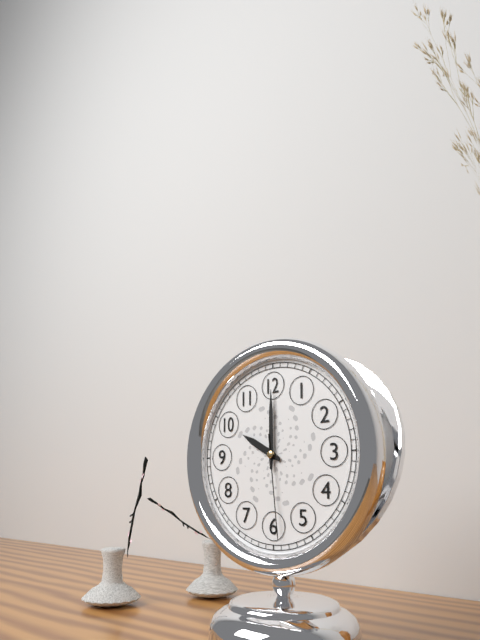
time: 10:00:29
